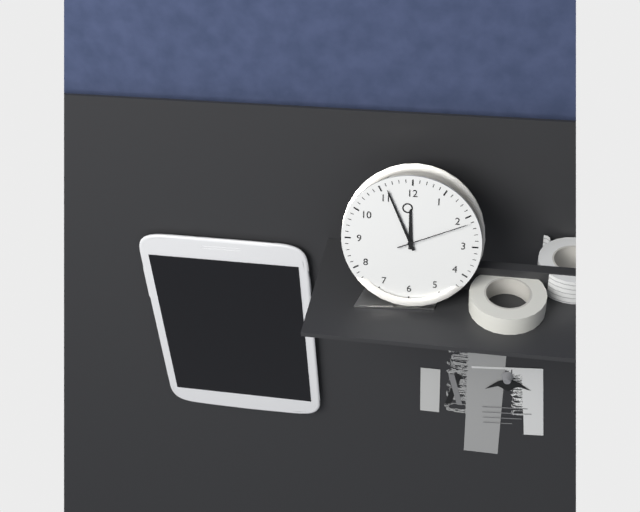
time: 11:56:11
